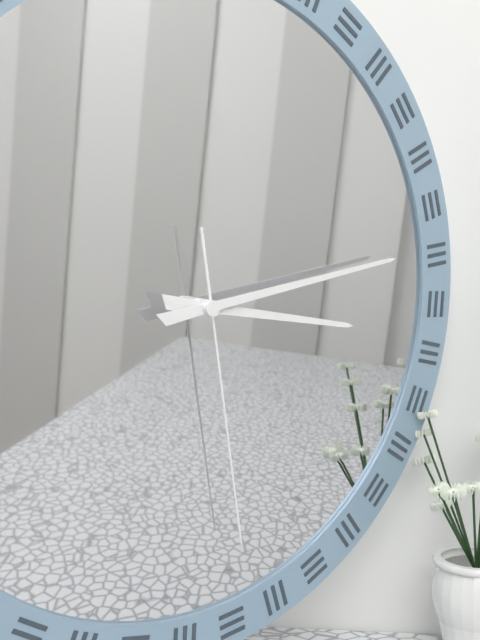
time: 3:13:28
